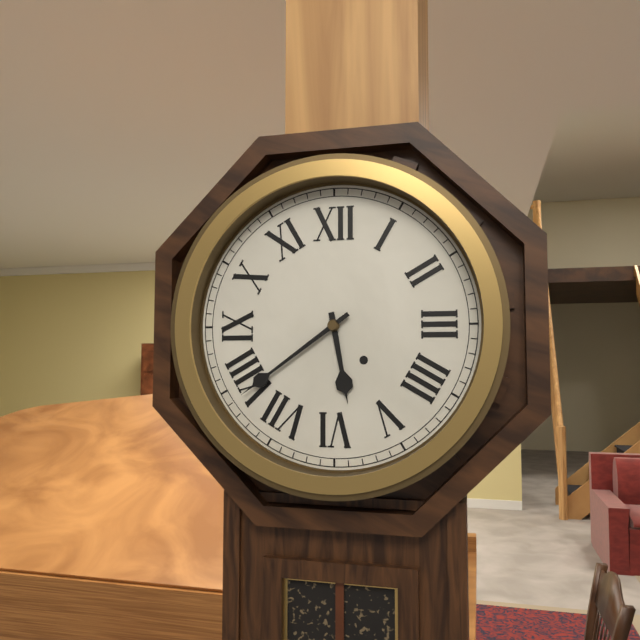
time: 5:39
